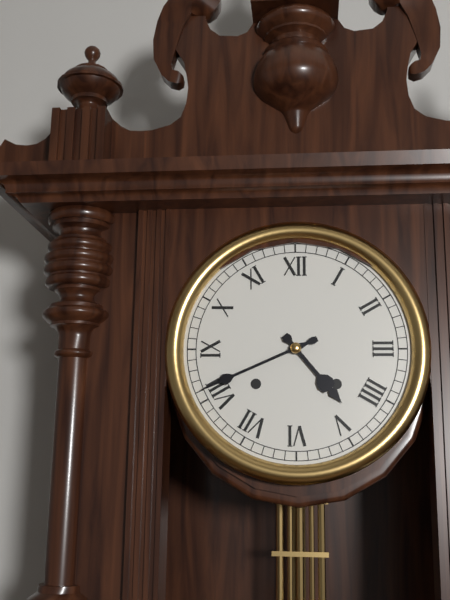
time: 4:41
